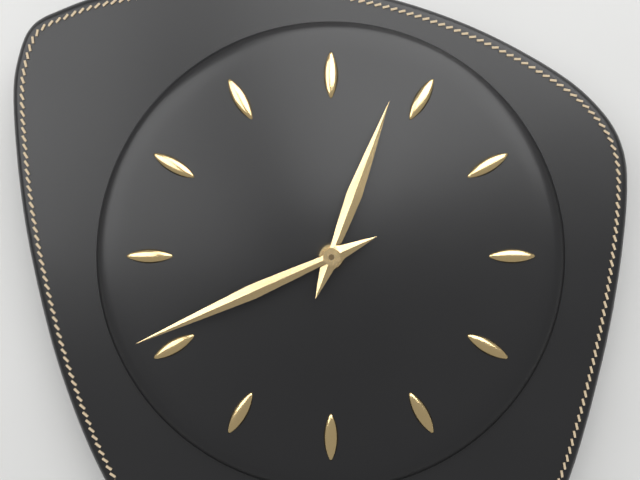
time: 12:41
